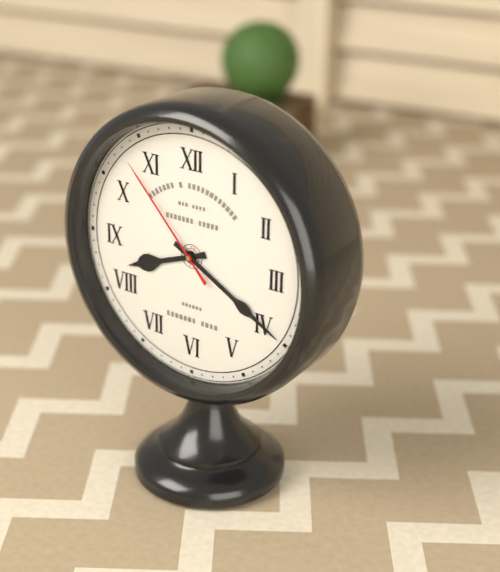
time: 8:20:53
